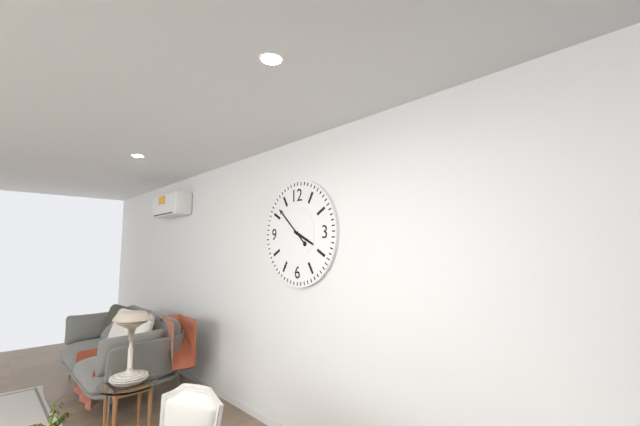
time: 3:52
